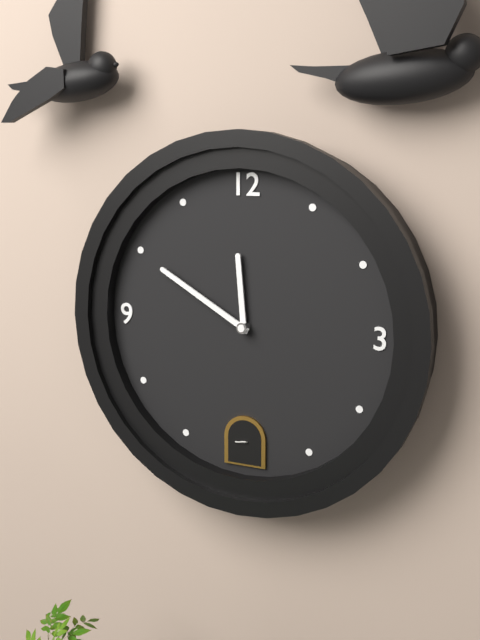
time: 11:50
